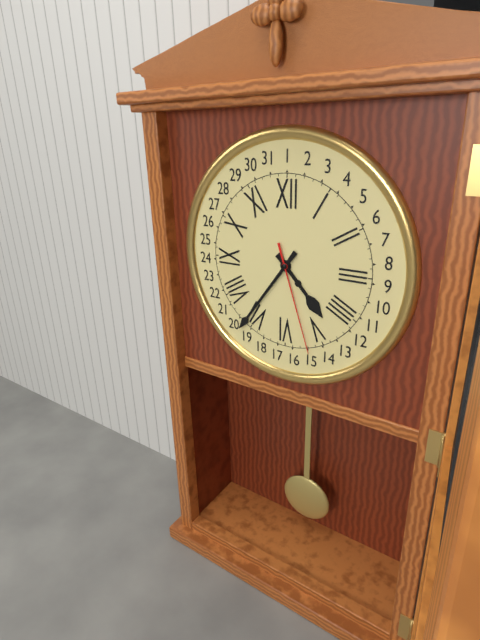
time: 4:36:27
